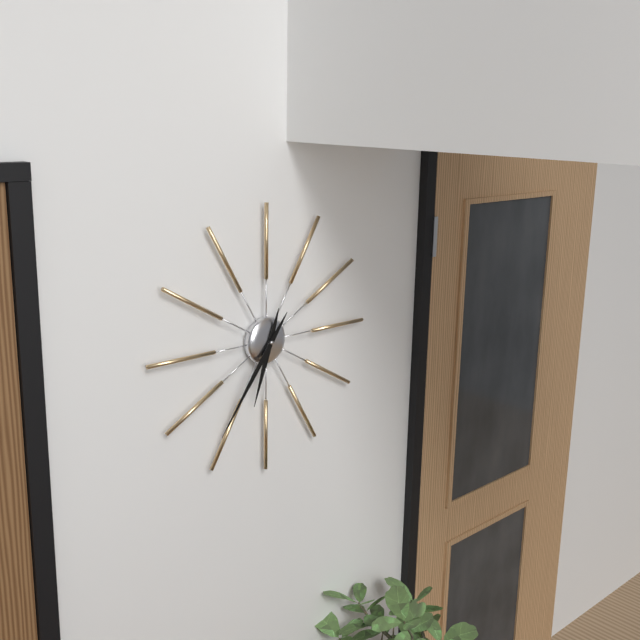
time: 6:36
